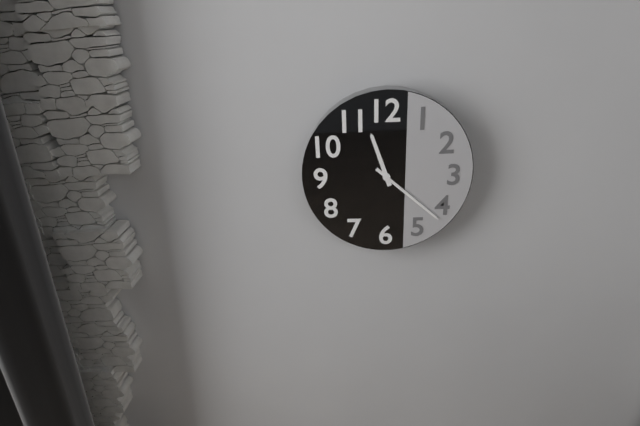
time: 11:22
